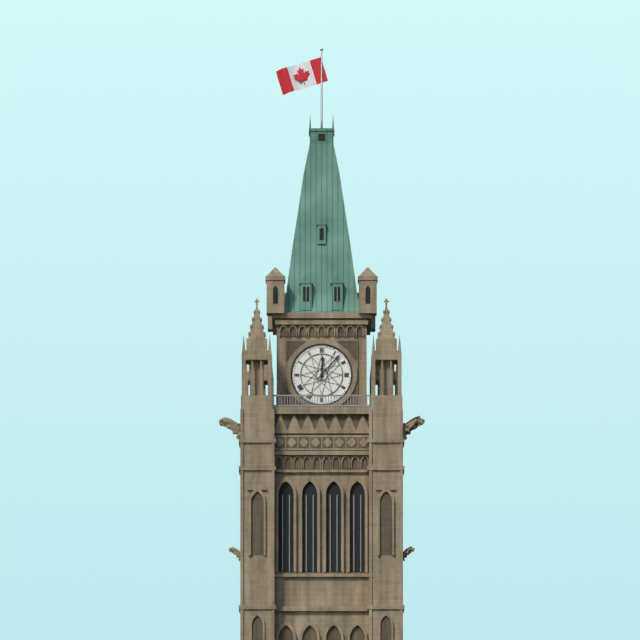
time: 12:07
